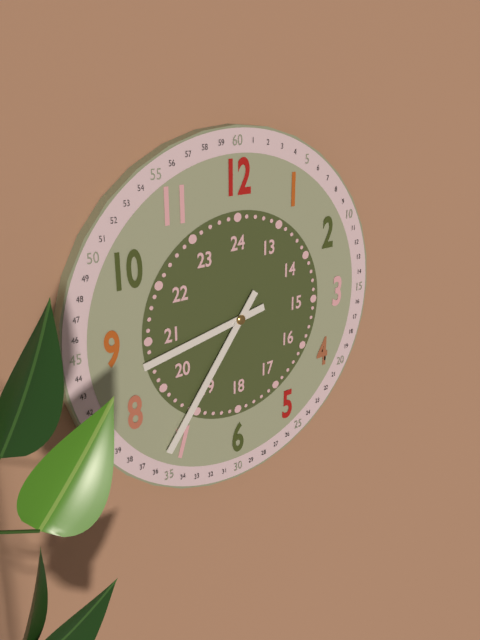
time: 8:36
